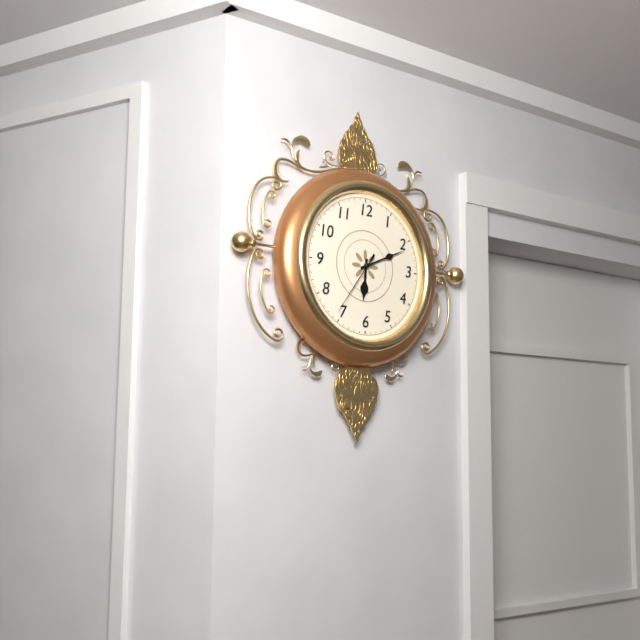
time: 6:11:36
